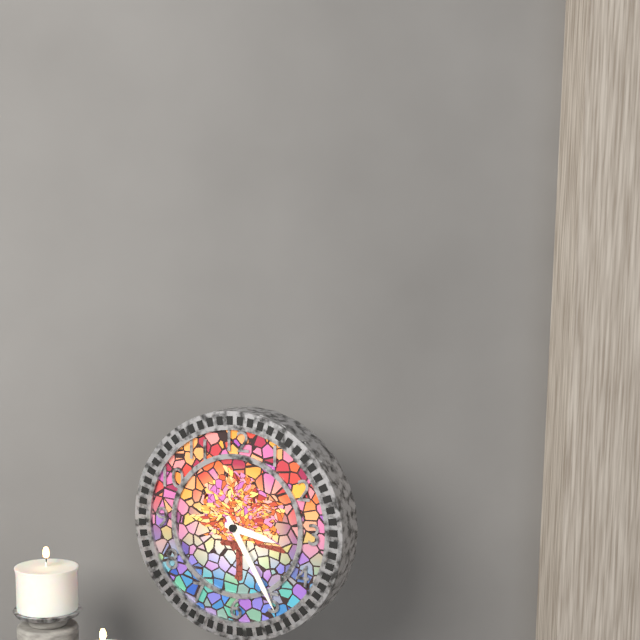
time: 3:25
